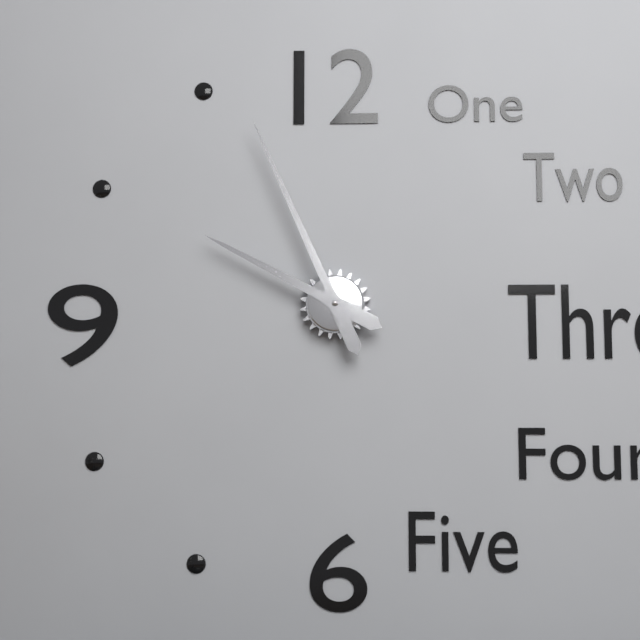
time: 9:56
